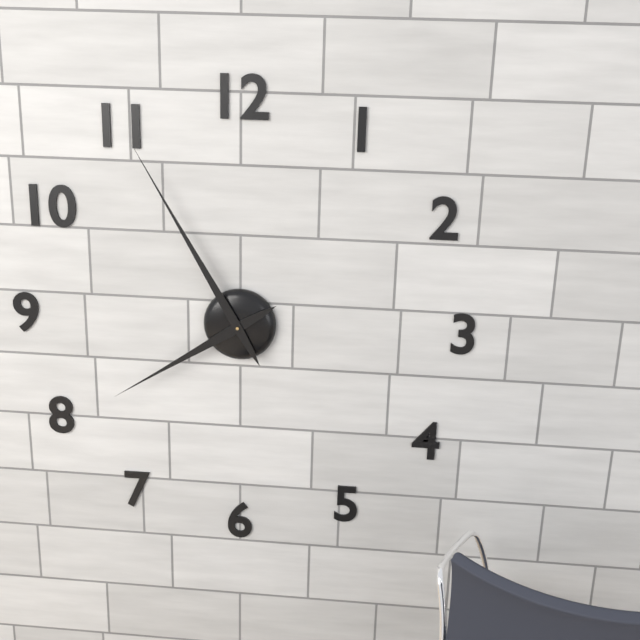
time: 7:55
